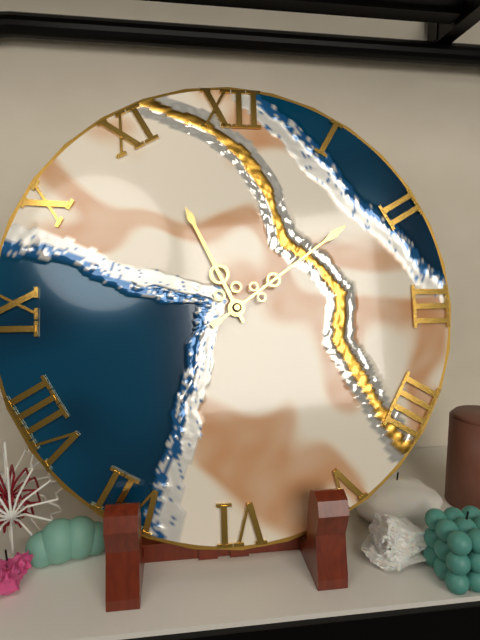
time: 11:09
